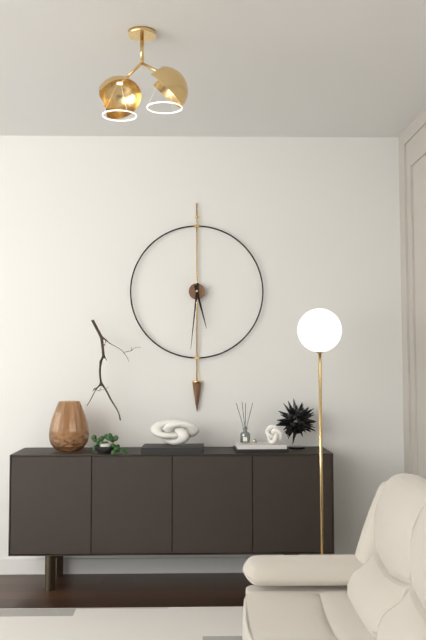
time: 5:31
